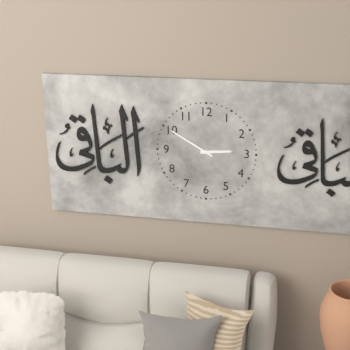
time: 2:50
